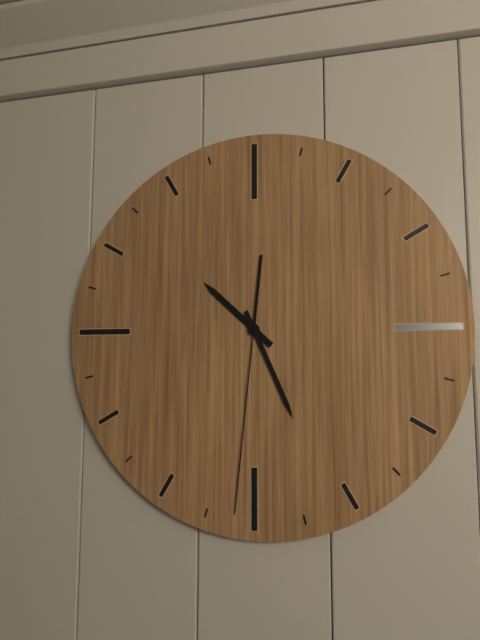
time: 10:26:31
